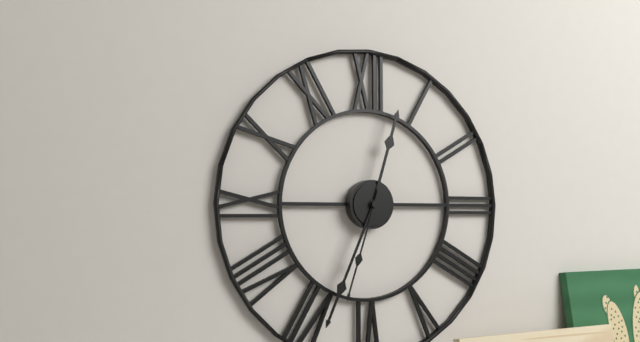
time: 12:34:33
